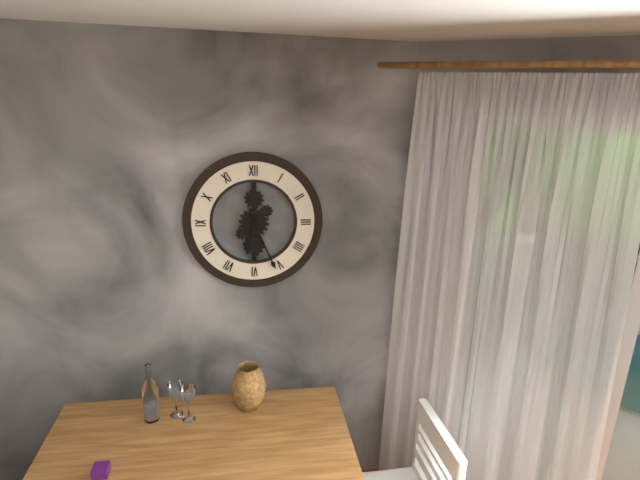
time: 6:26
